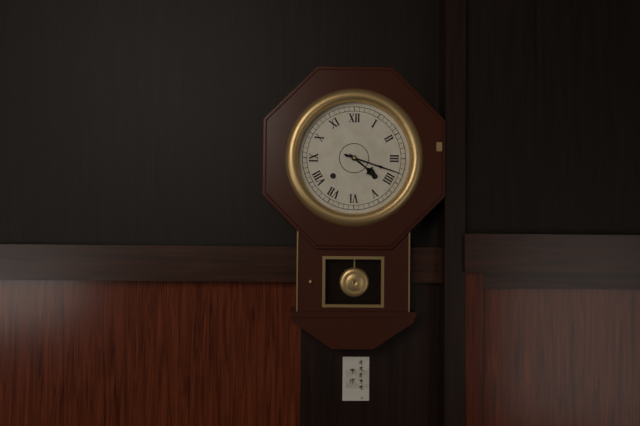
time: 4:18
